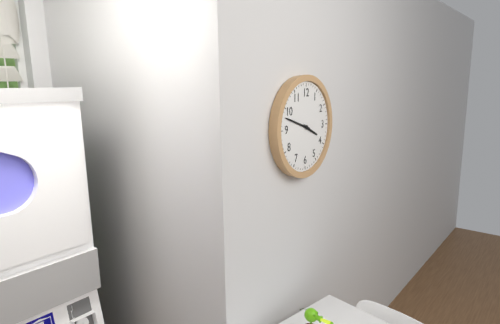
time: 3:48
